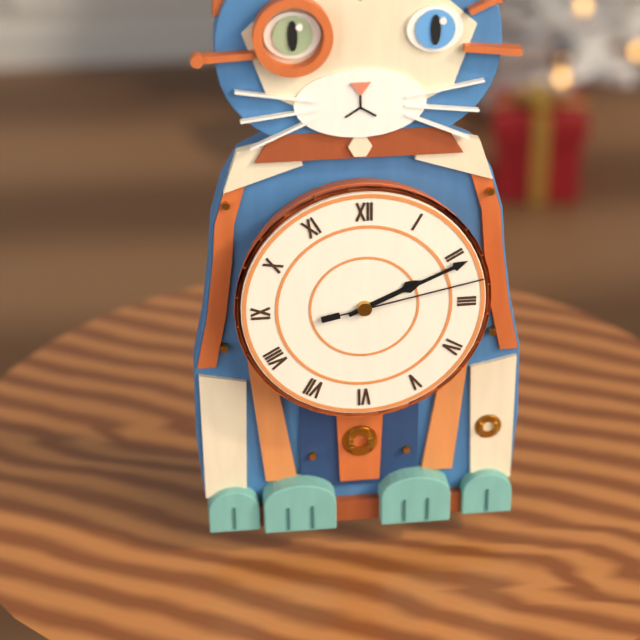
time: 2:11:13
